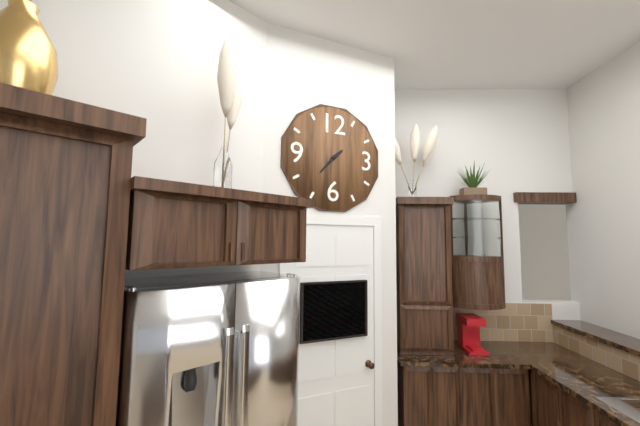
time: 1:37
